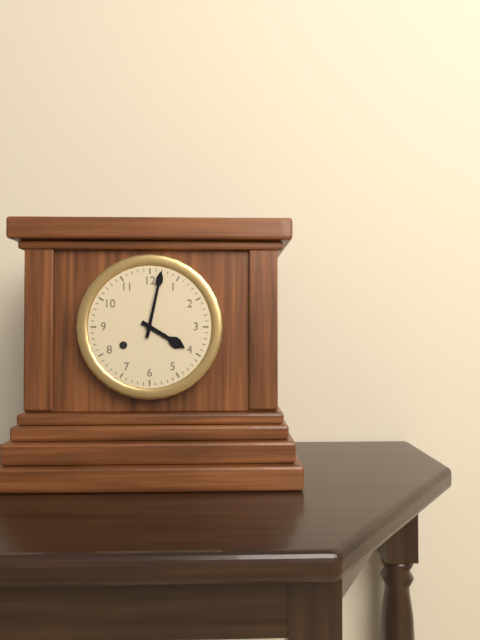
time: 4:02
